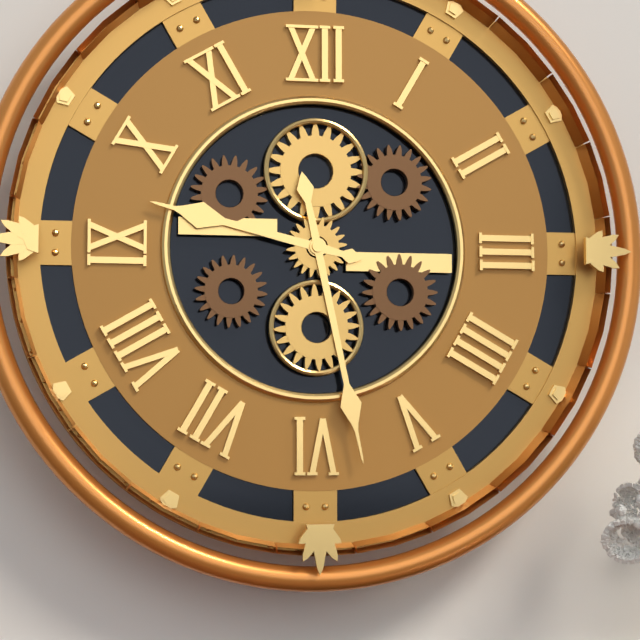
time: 9:28
